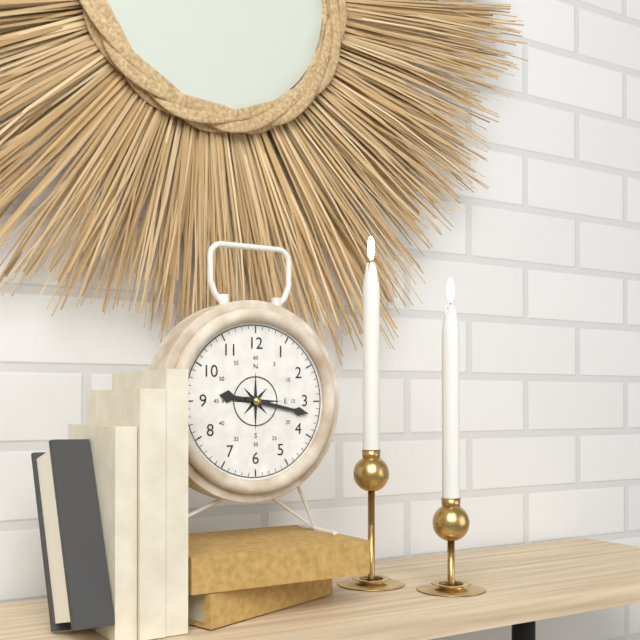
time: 9:17
